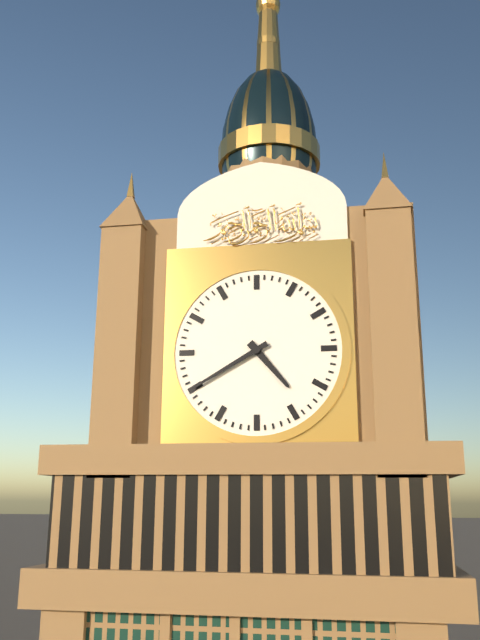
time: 4:40
